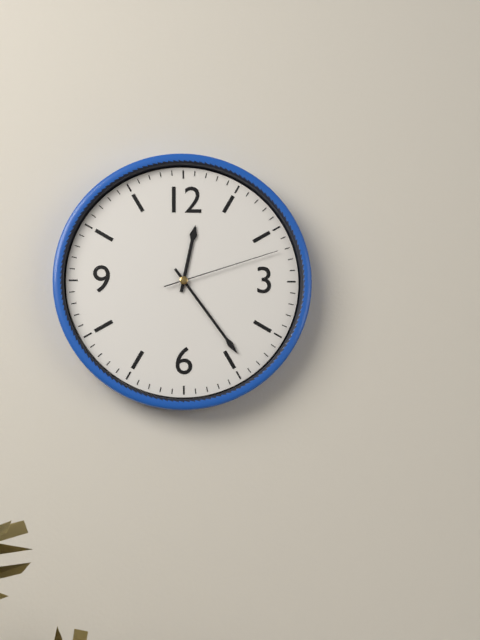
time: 12:24:12
